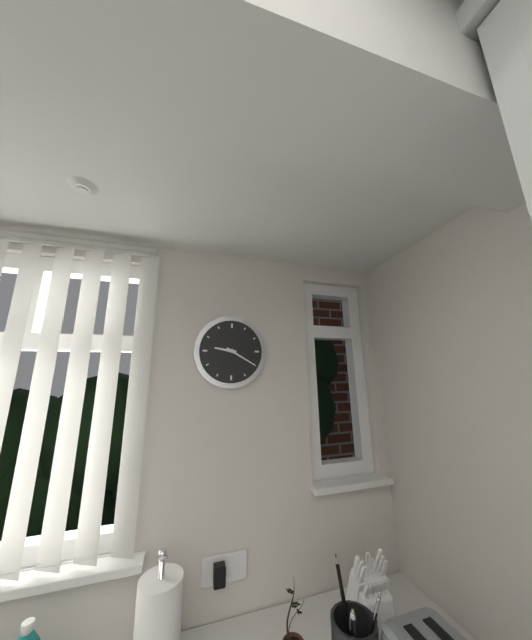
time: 9:20
